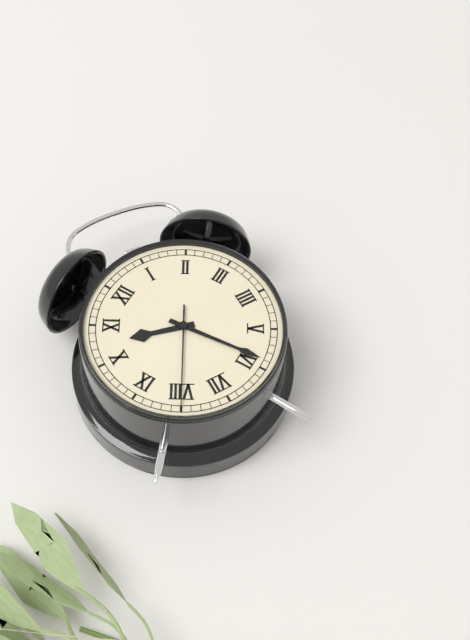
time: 10:29:40
